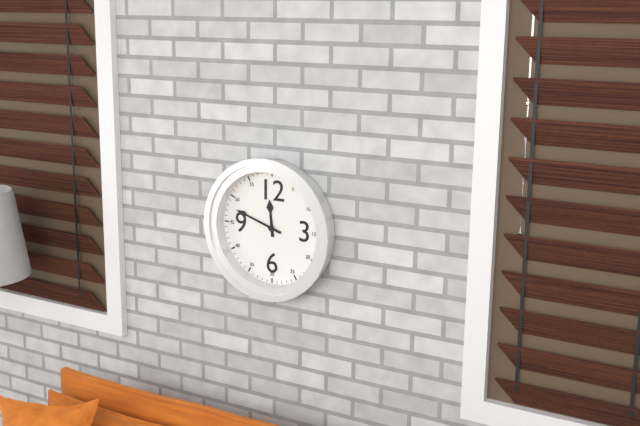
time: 11:48
